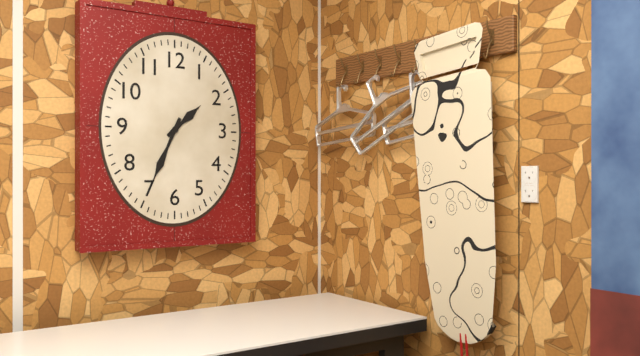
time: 1:34
